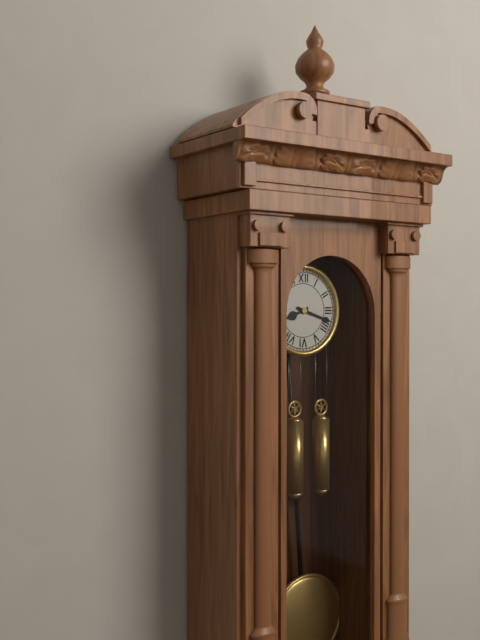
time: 8:18
